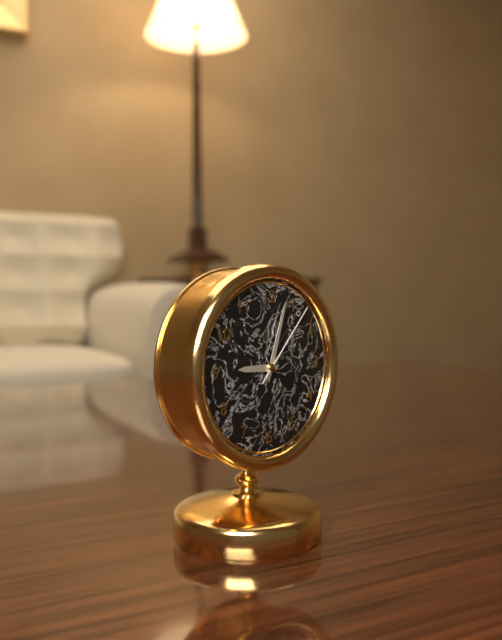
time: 9:03:07
